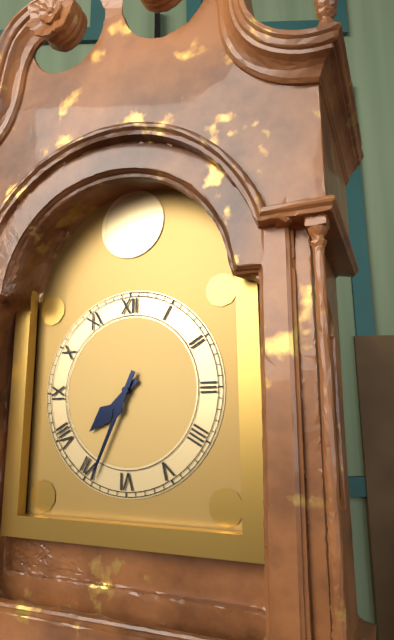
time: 7:34
